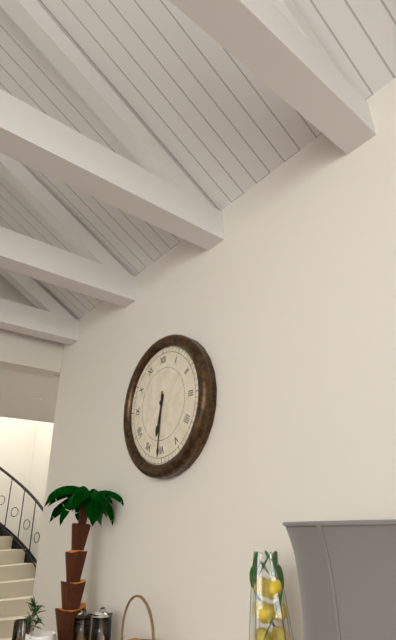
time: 6:31
